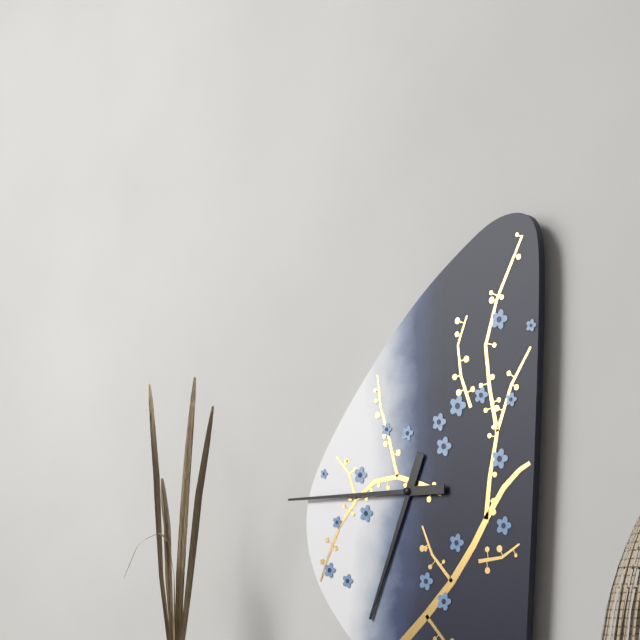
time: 6:45
